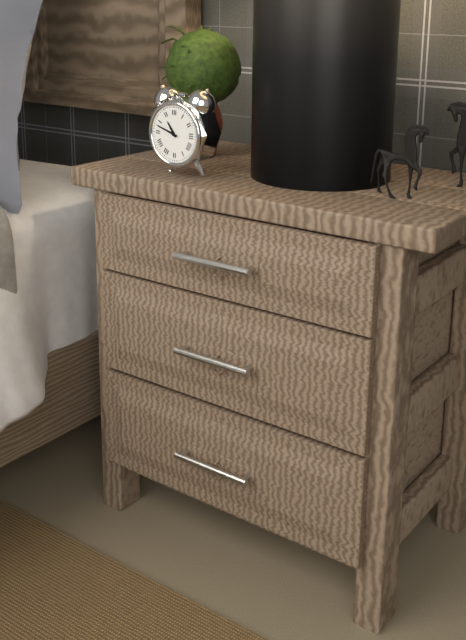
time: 10:48
